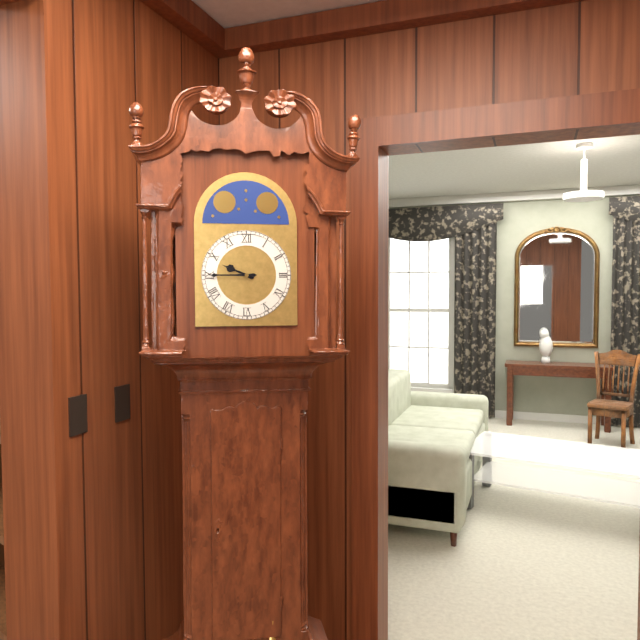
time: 9:45
